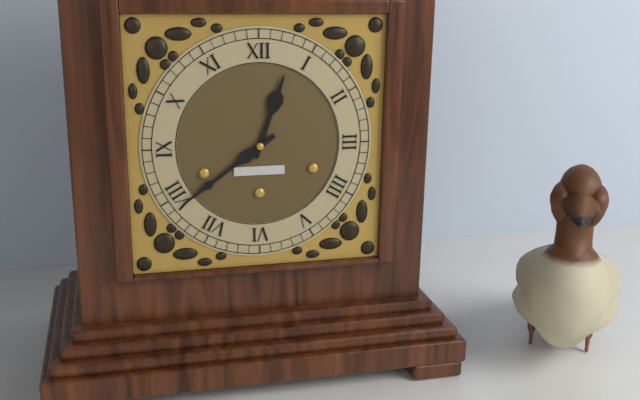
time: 12:39
